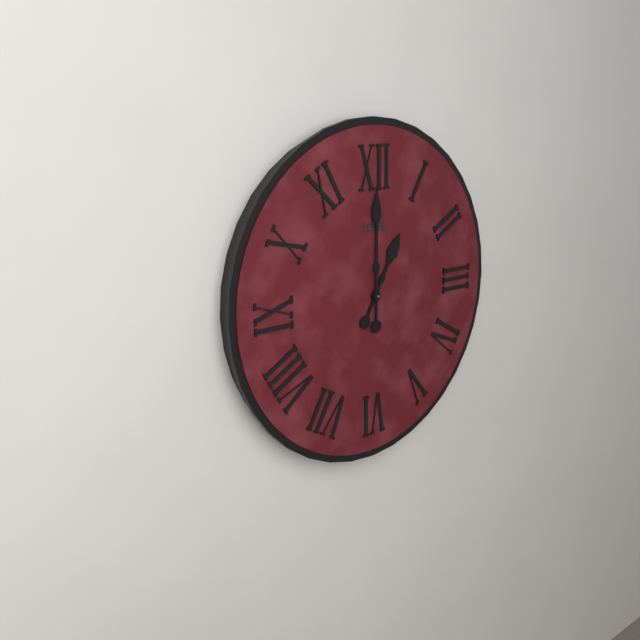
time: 1:00
